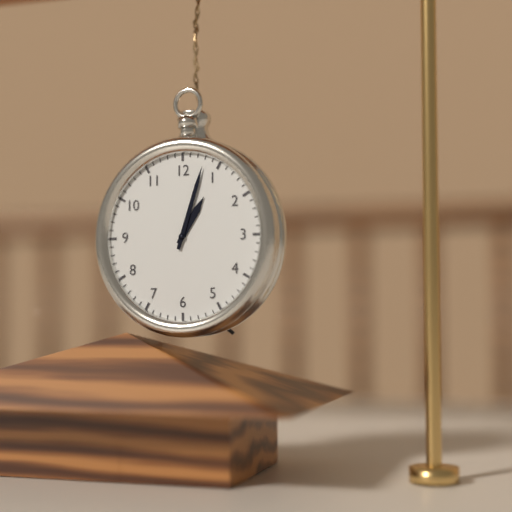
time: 1:03
